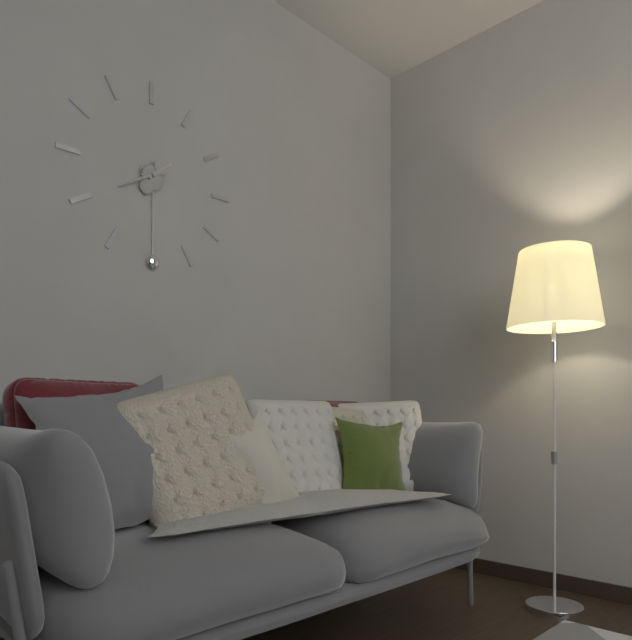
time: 1:40
